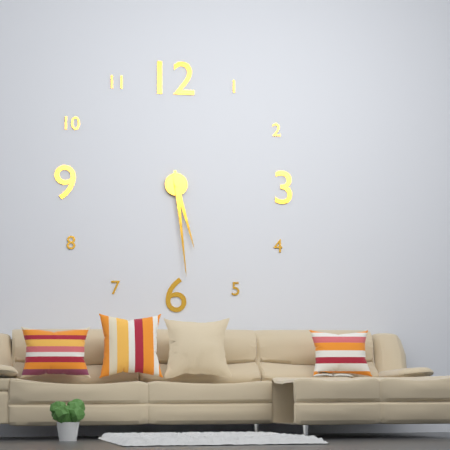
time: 5:29
